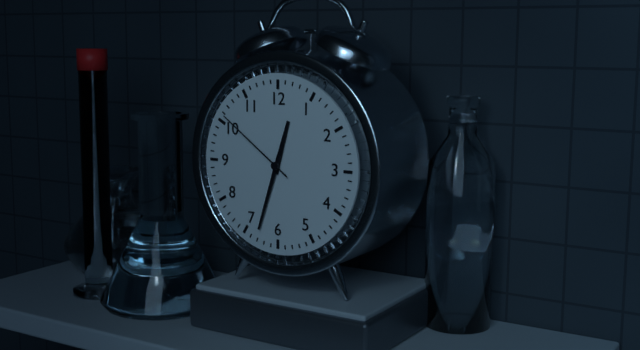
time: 12:33:51
